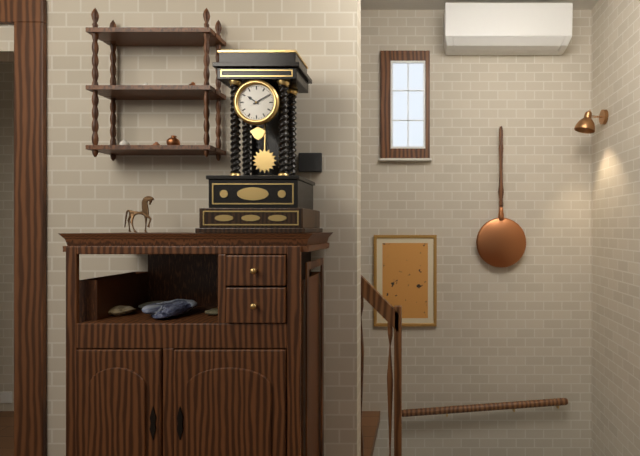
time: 10:10
